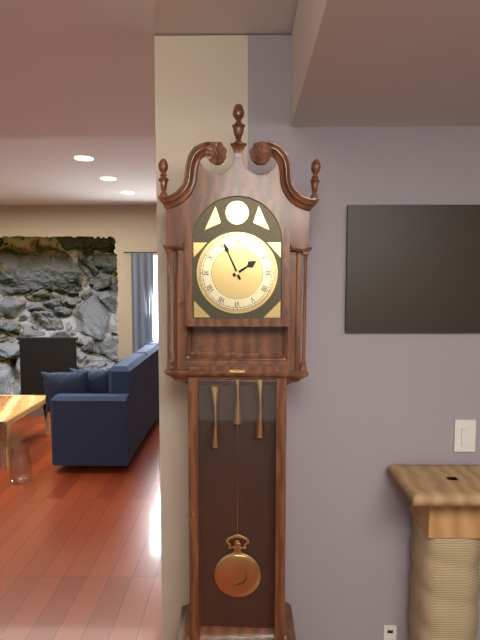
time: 1:56
